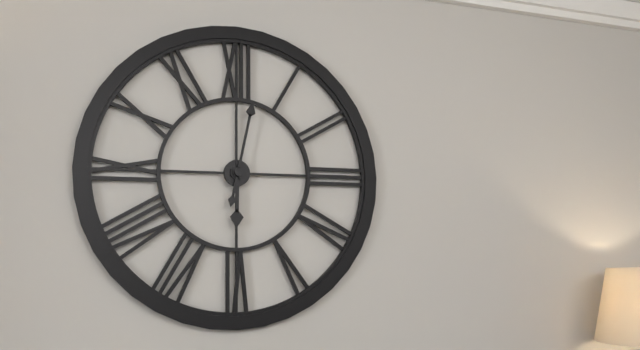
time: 6:02
